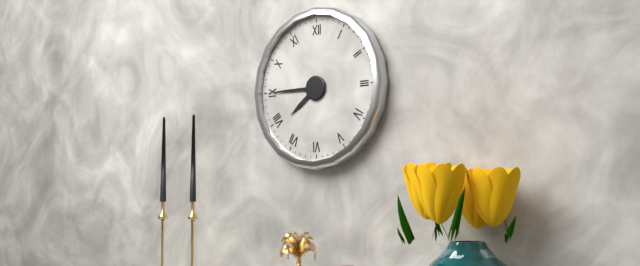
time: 7:45
